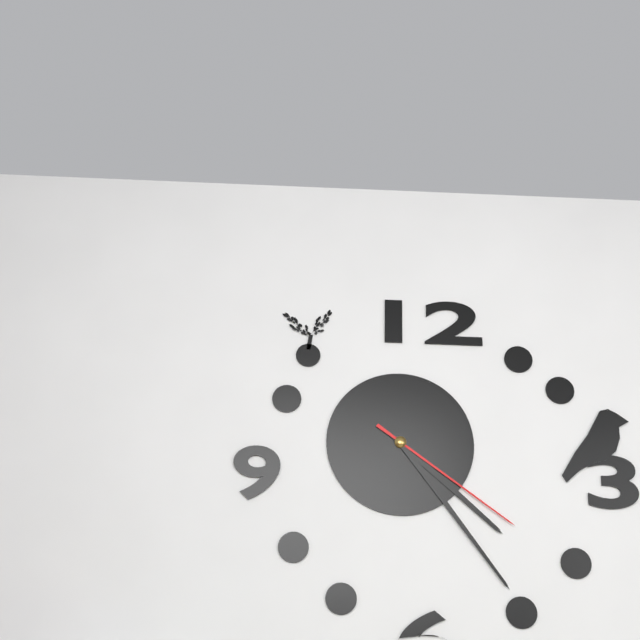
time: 4:24:21
